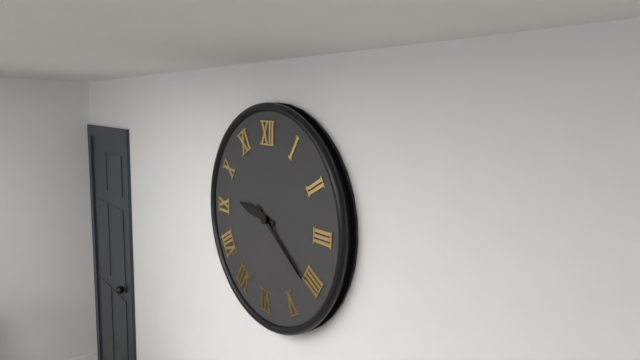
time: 9:21
